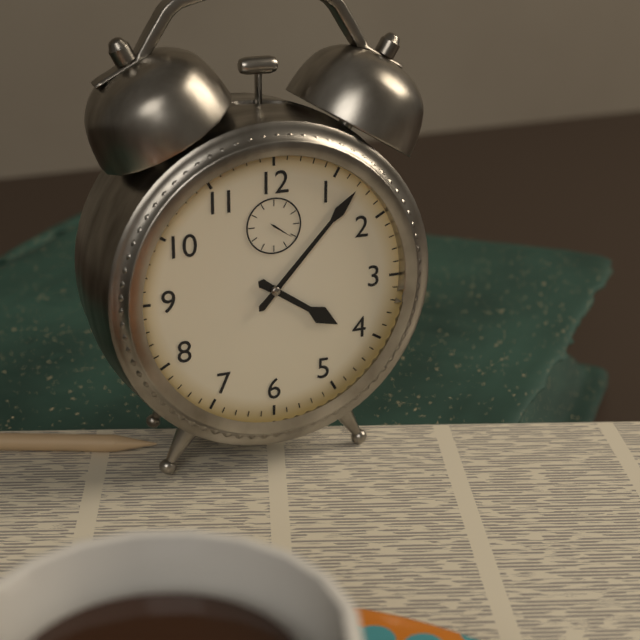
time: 4:07
